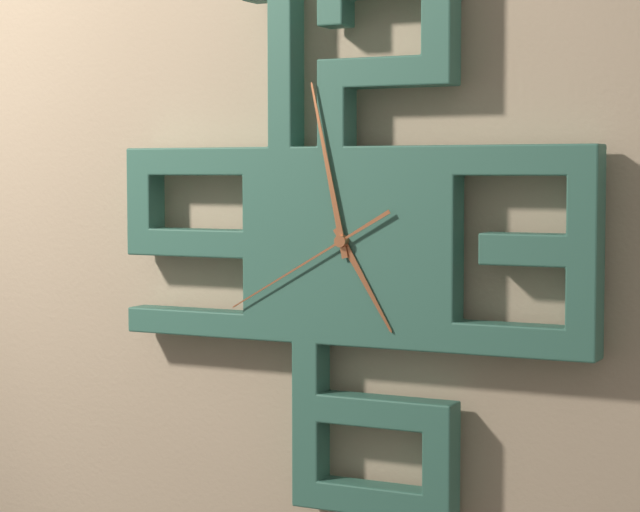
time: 4:58:40
